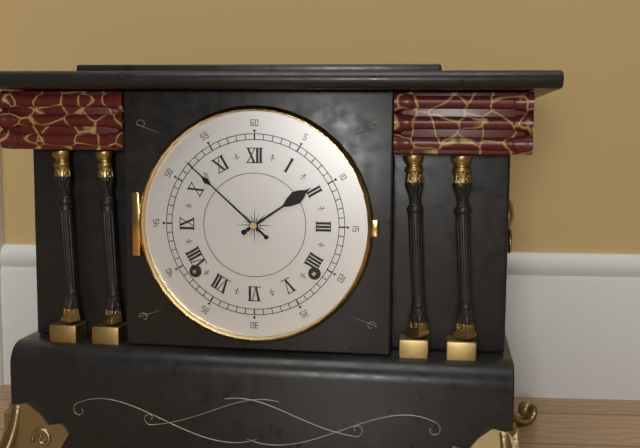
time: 1:52
